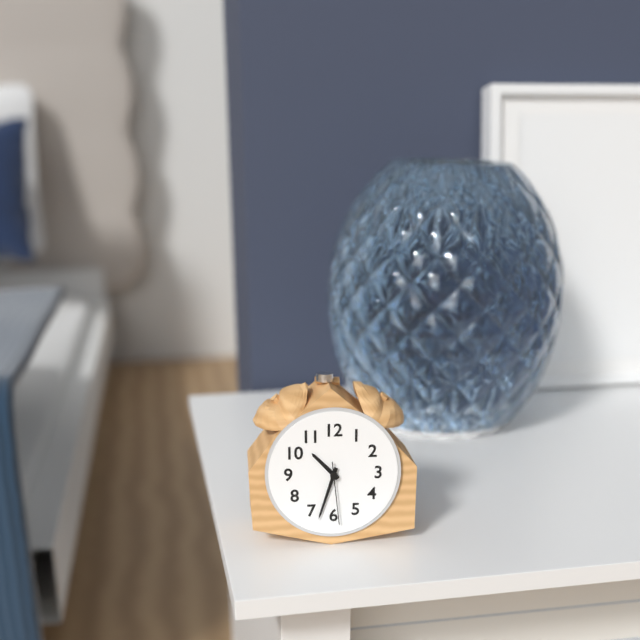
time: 10:33:29
